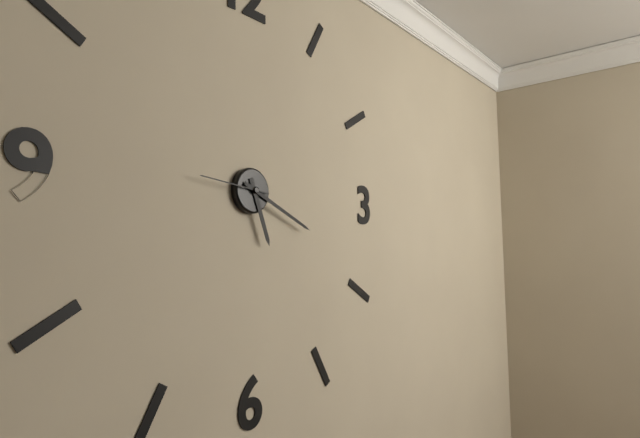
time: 5:19:46
